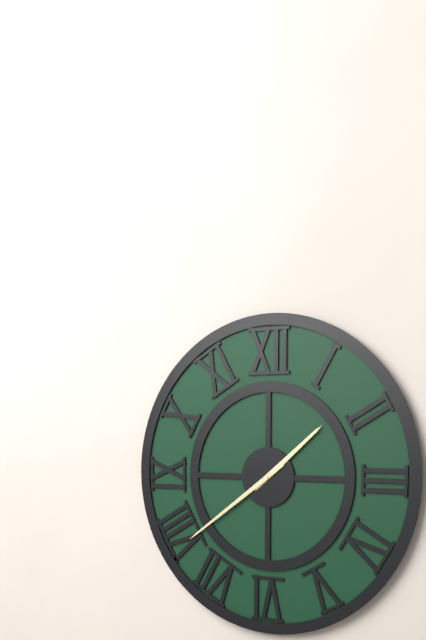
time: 1:39
